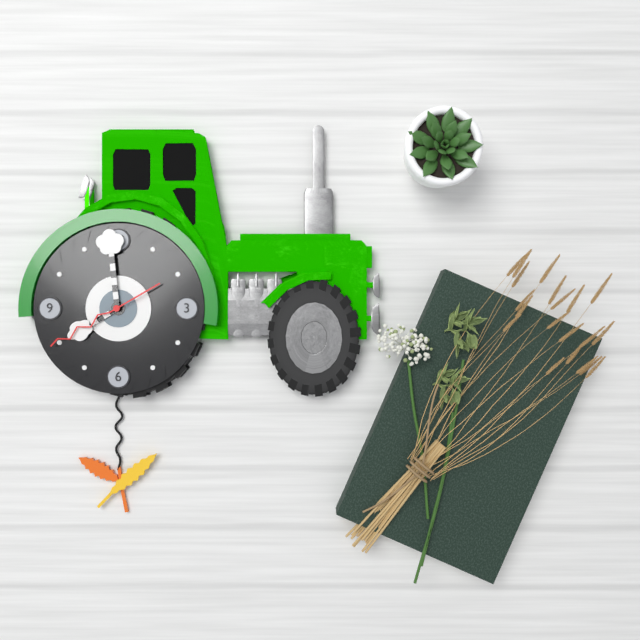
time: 7:59:40
